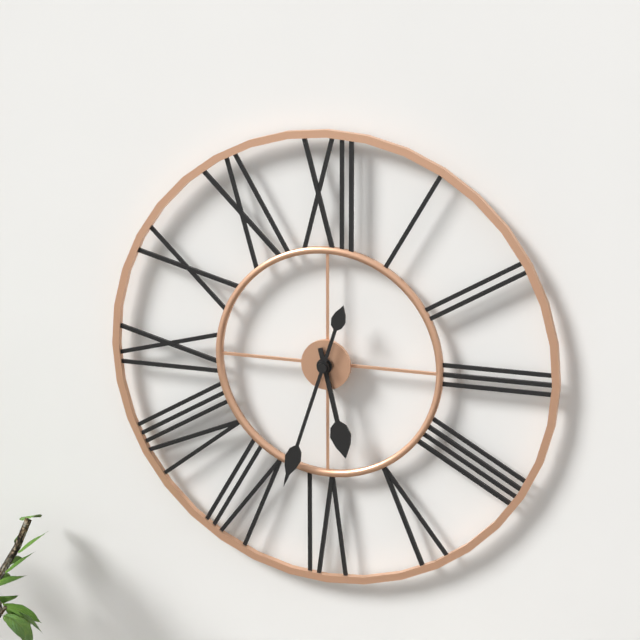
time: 5:33
